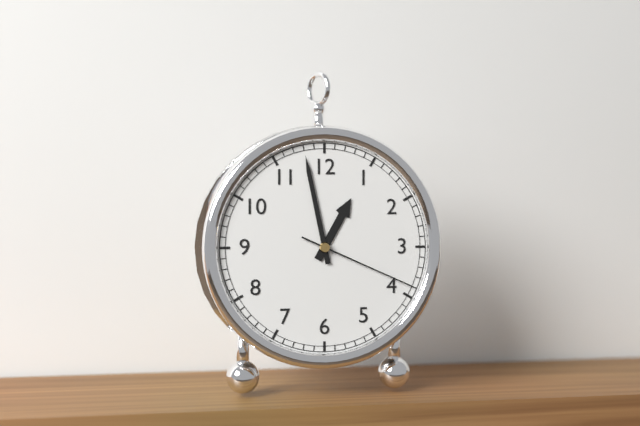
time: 12:58:19
